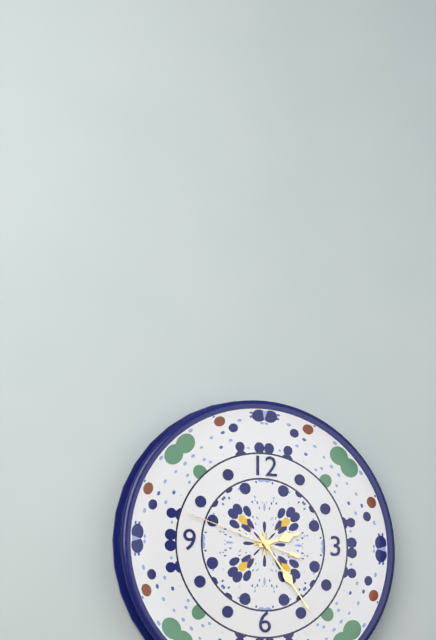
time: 2:24:48
